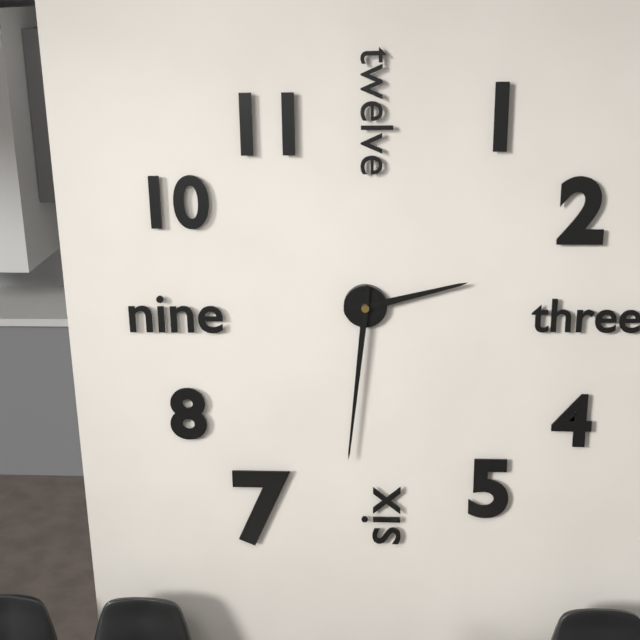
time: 2:31
